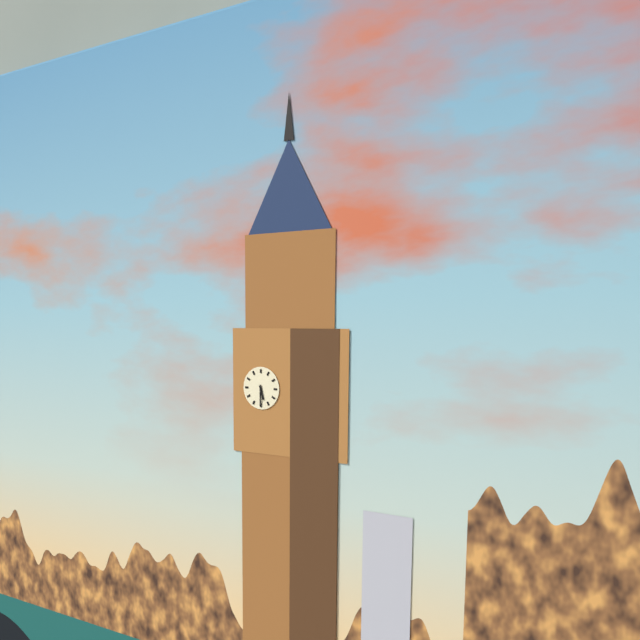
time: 5:30
